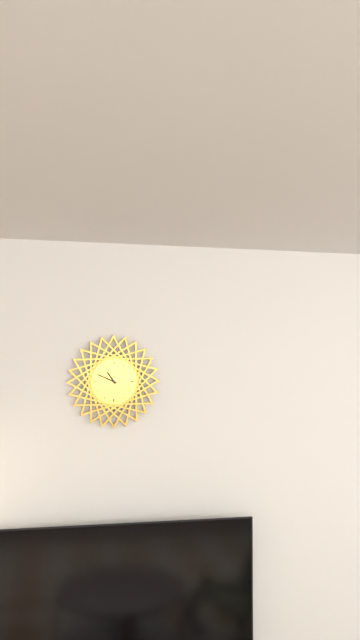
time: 10:49
